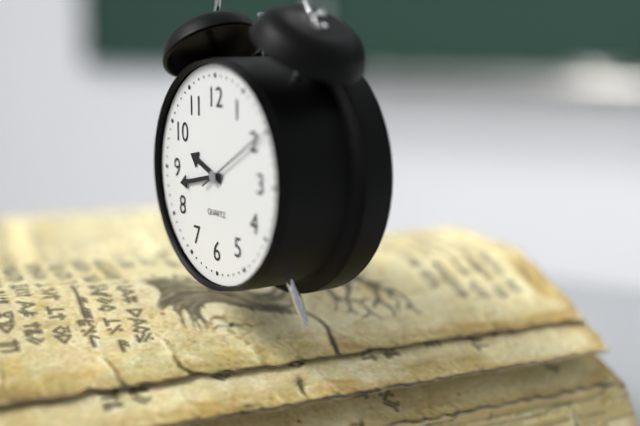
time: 9:43
